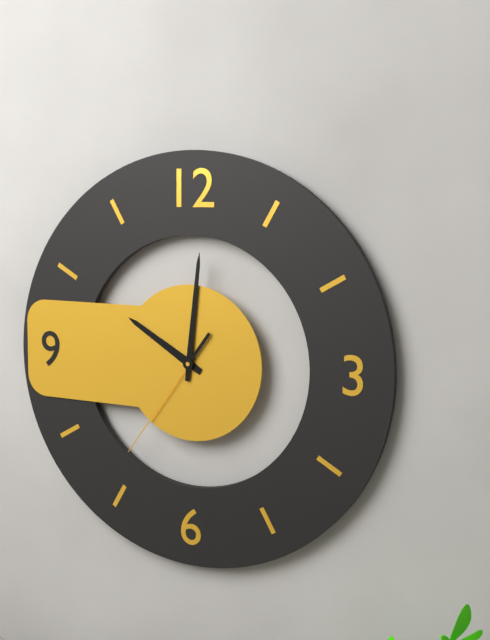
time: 10:01:36
